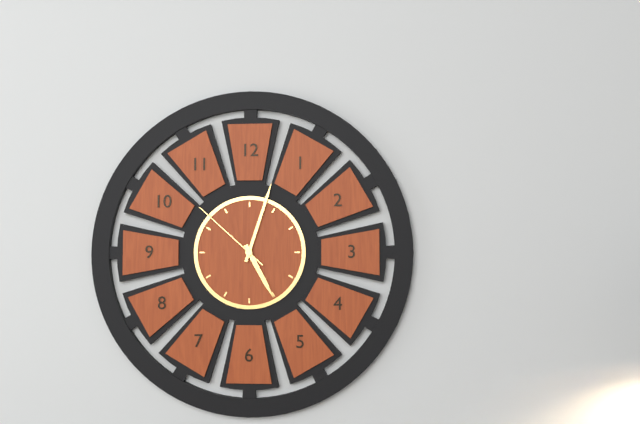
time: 5:03:52
